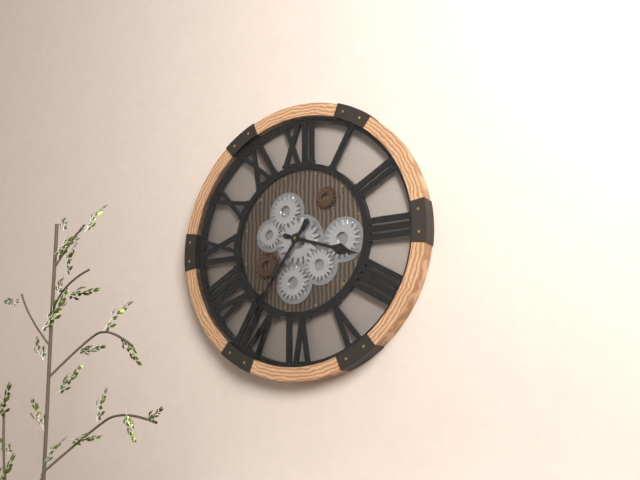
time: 3:36
